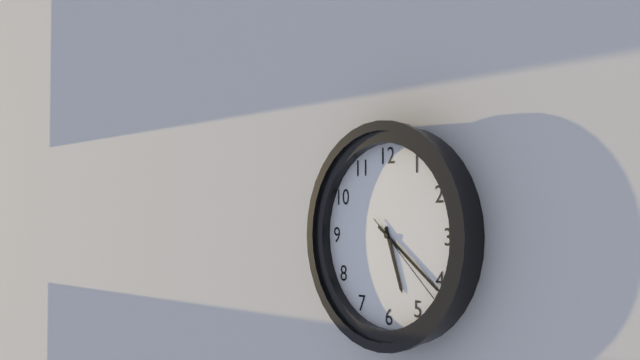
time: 5:21:22
